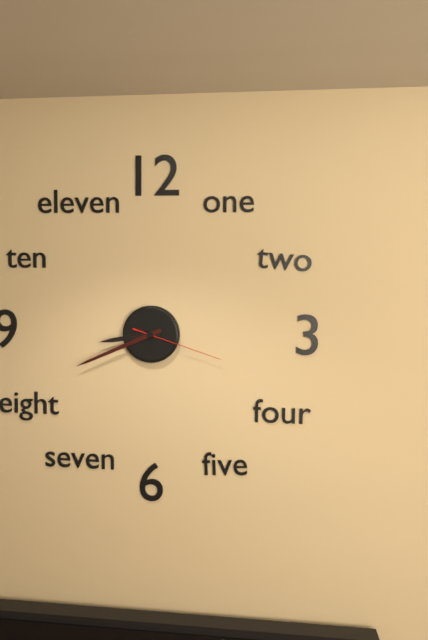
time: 8:41:18
